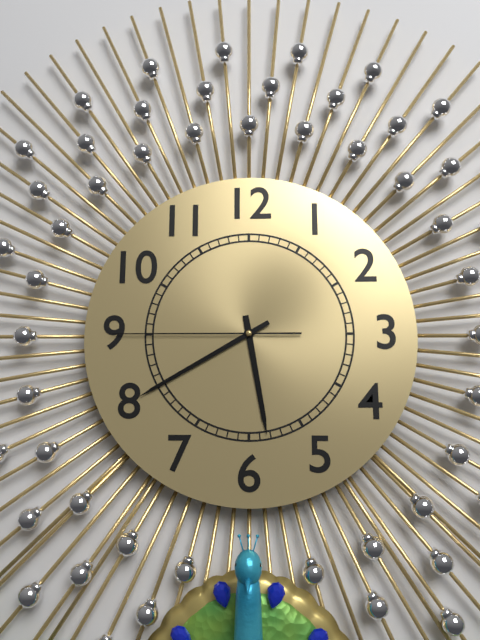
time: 5:40:45
